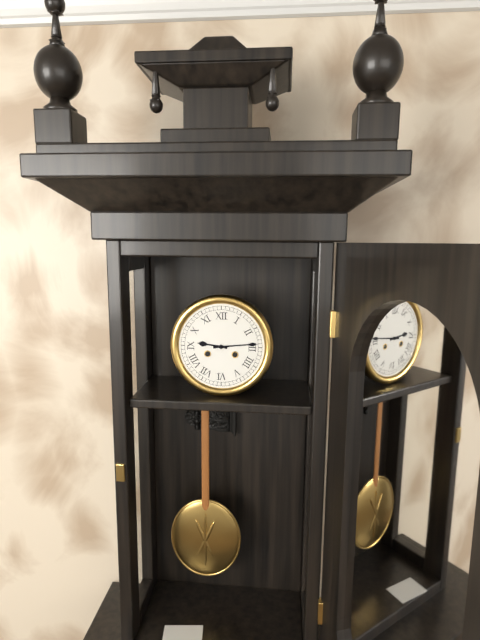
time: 9:14
